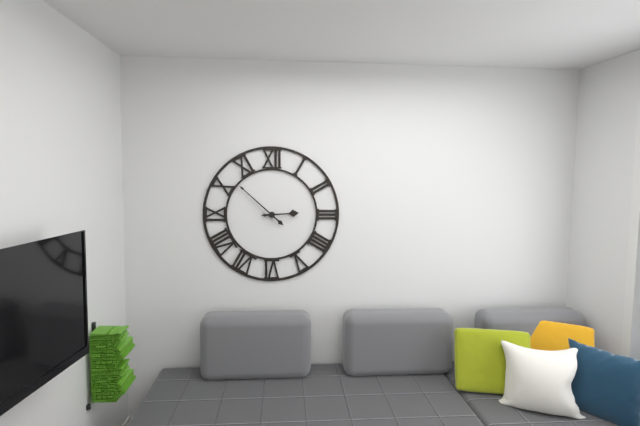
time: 2:52
